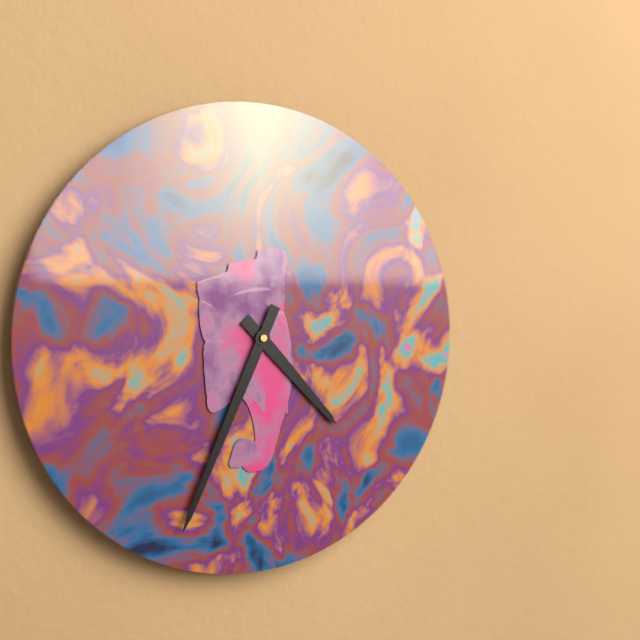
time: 4:34
